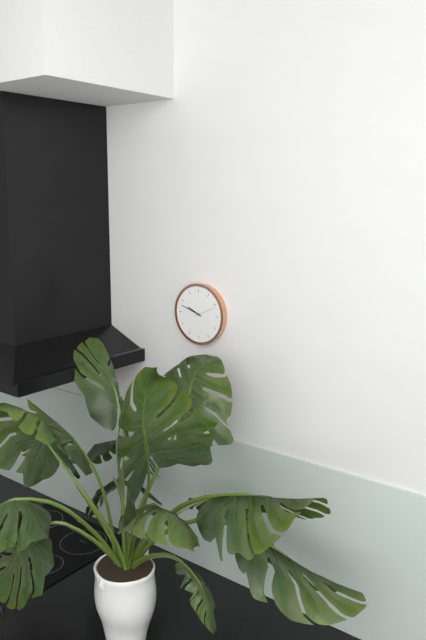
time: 9:48
